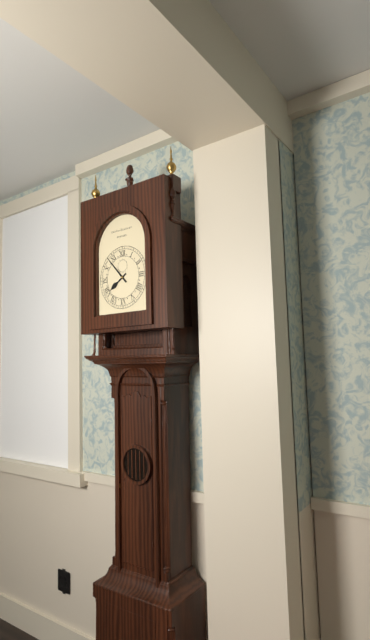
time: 7:53
